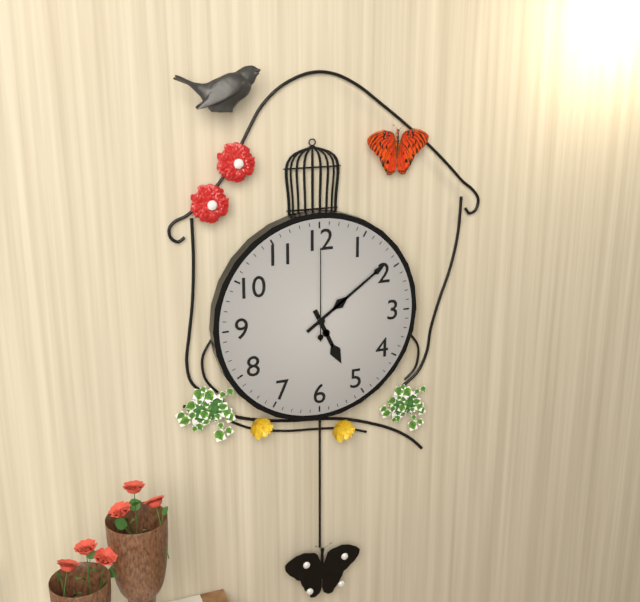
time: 5:09:00
